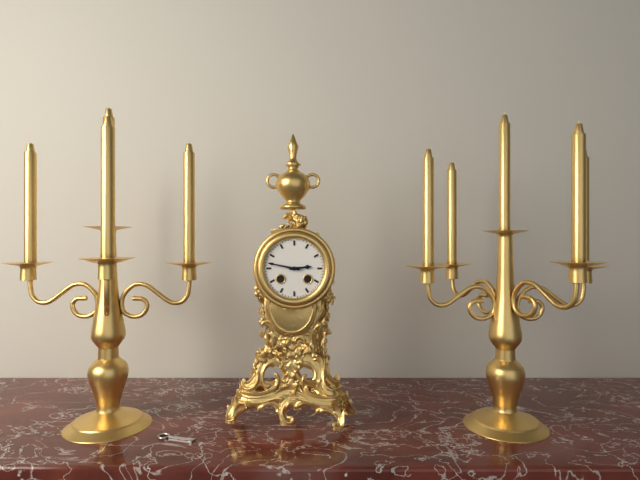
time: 2:47
